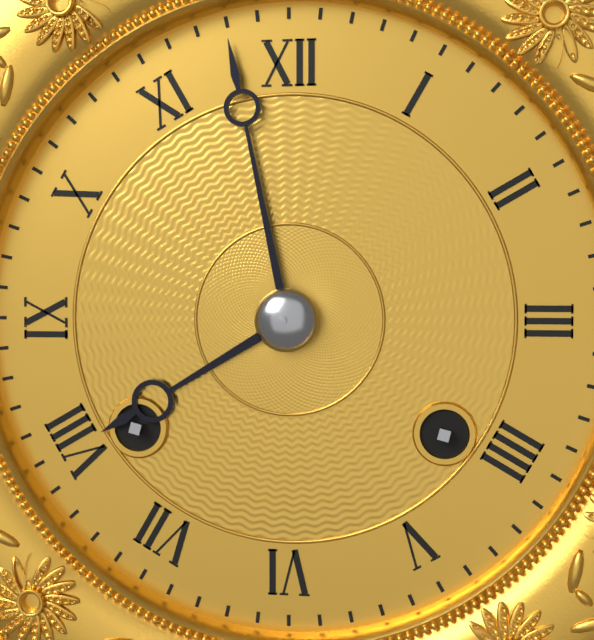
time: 7:58
